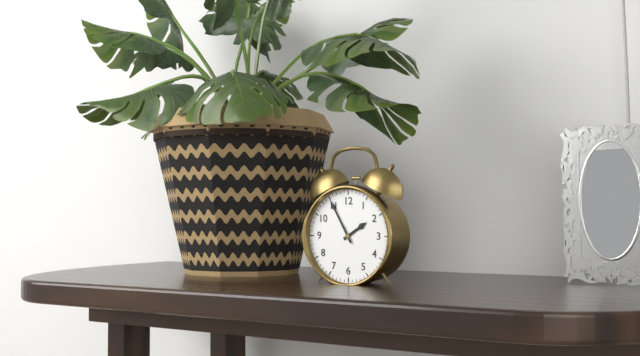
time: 1:55
